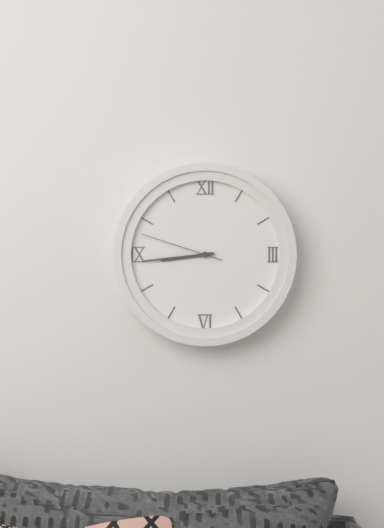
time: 8:44:48
